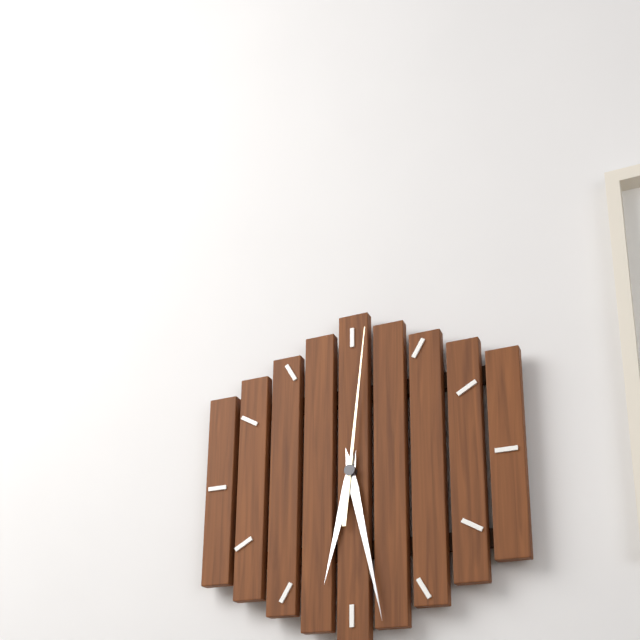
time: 6:28:01
